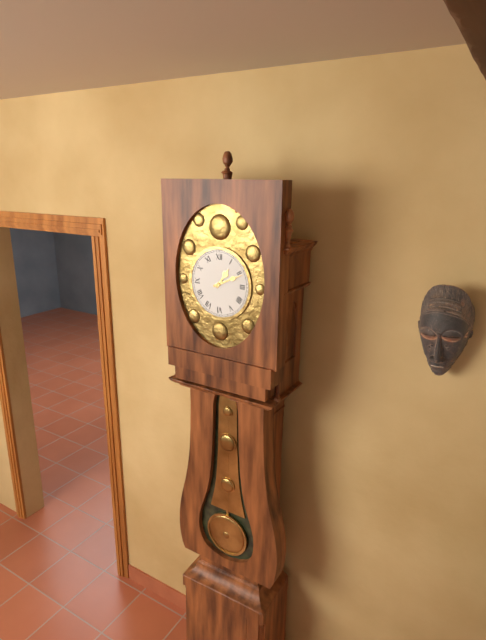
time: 1:11
